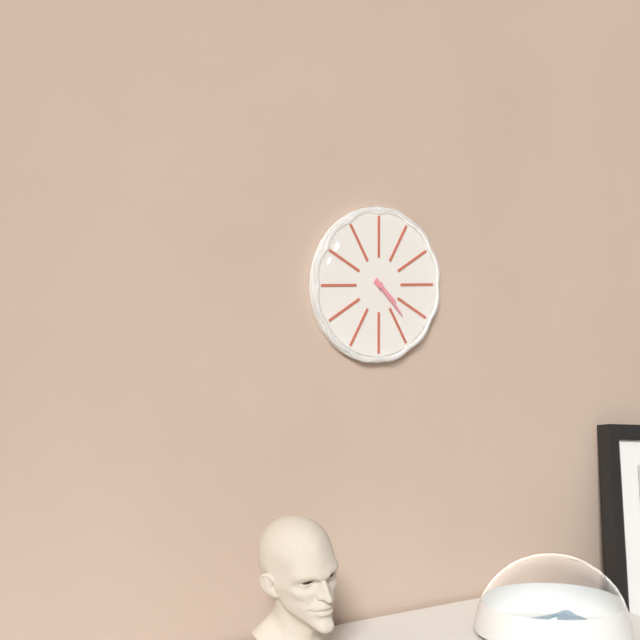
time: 4:23
